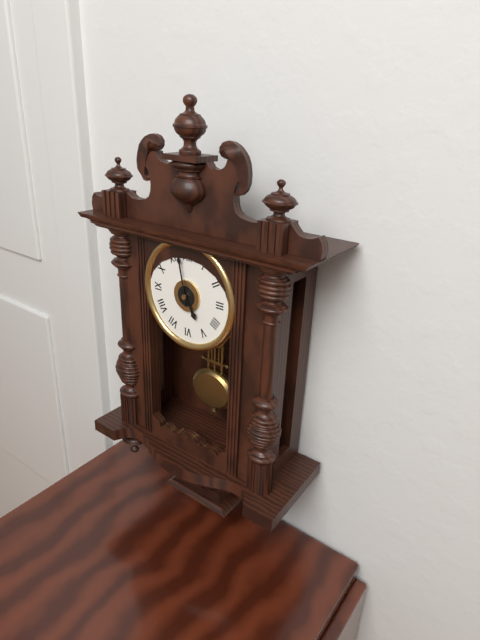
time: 4:58
